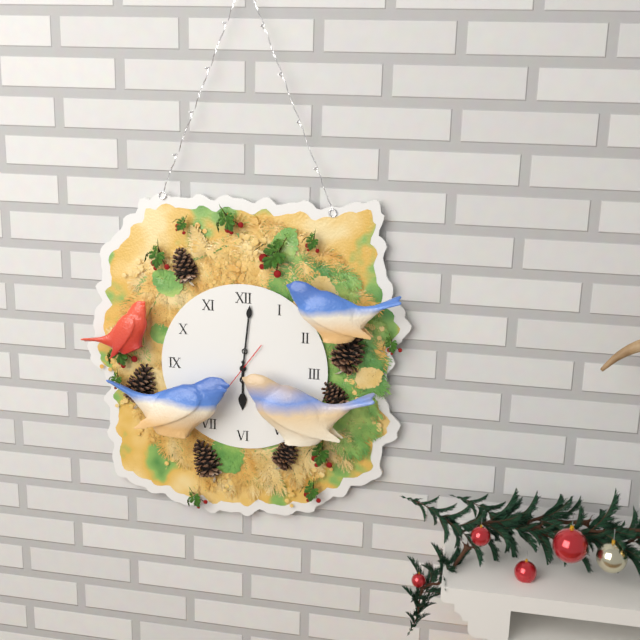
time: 6:01
